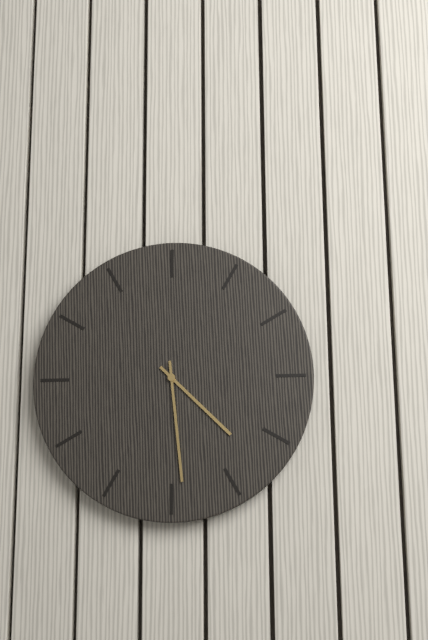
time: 4:29
